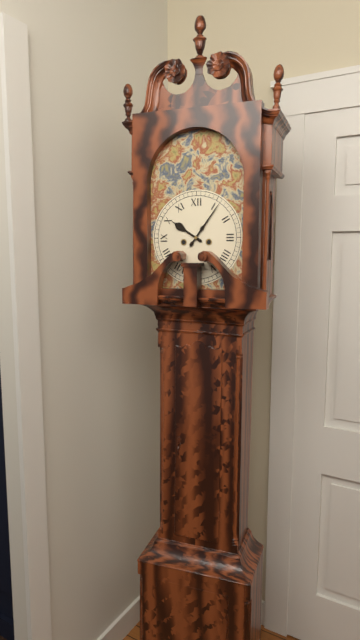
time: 10:06
